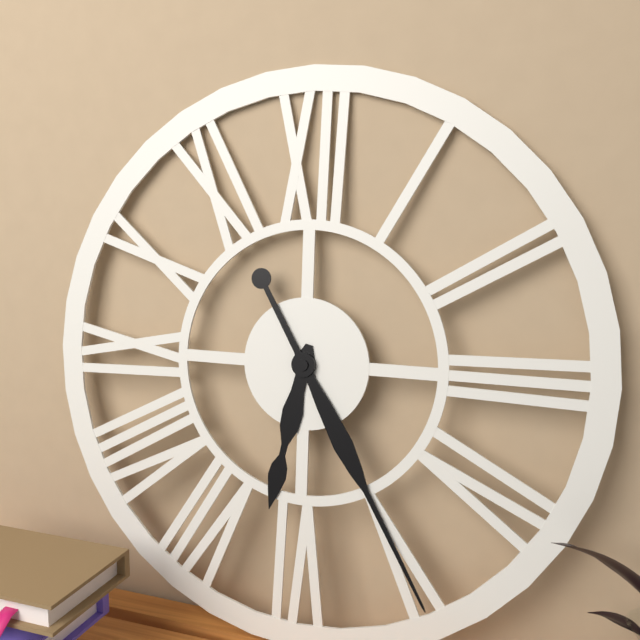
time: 6:25
